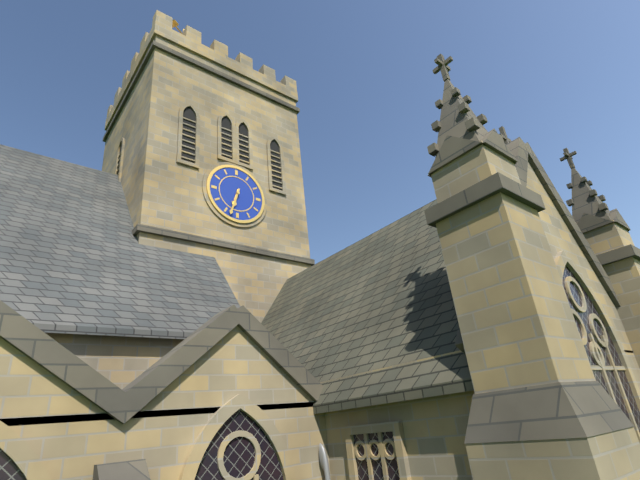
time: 6:33
